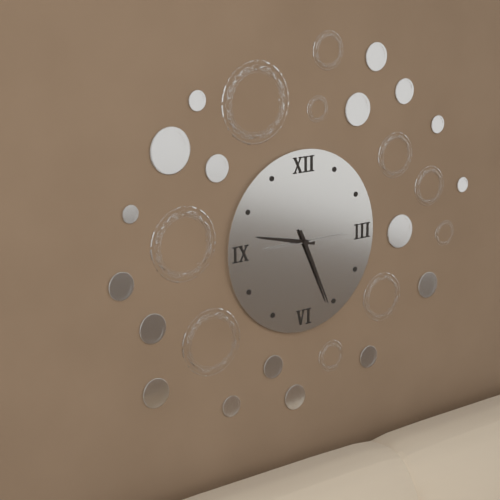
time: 9:26:15
